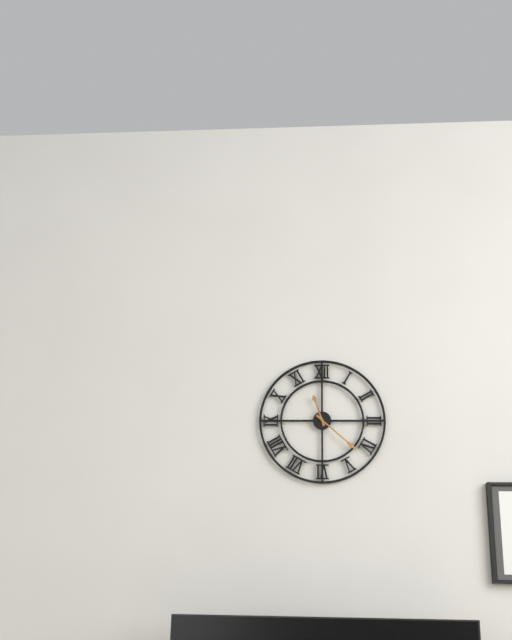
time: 11:22
